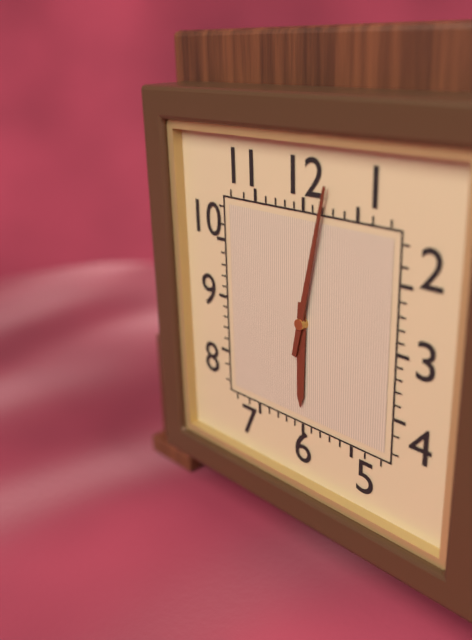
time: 6:02
